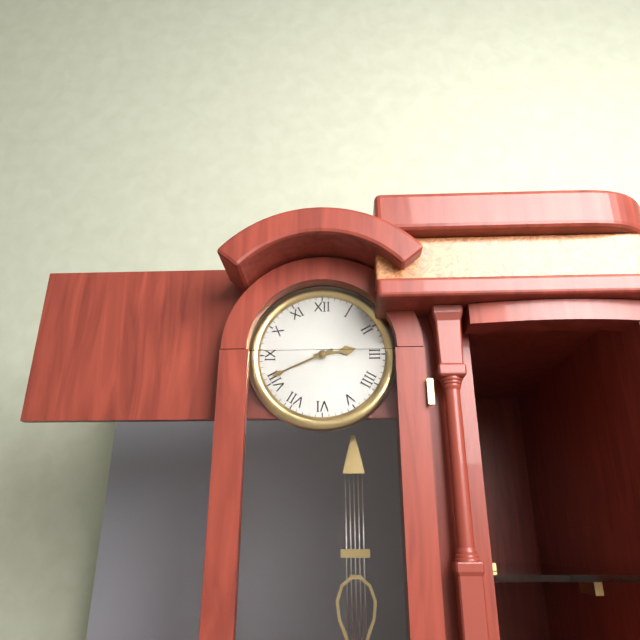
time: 2:41
